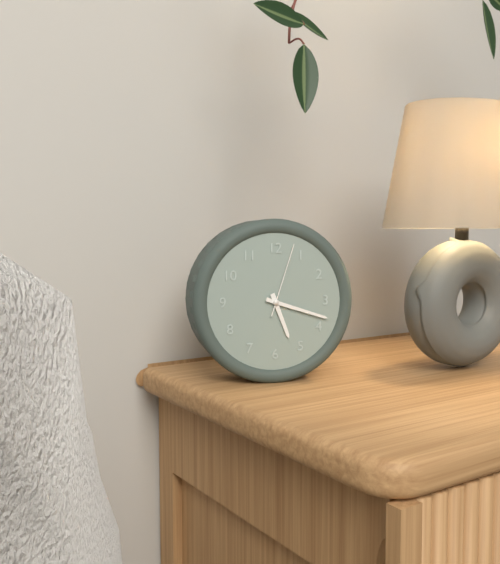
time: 5:18:03
